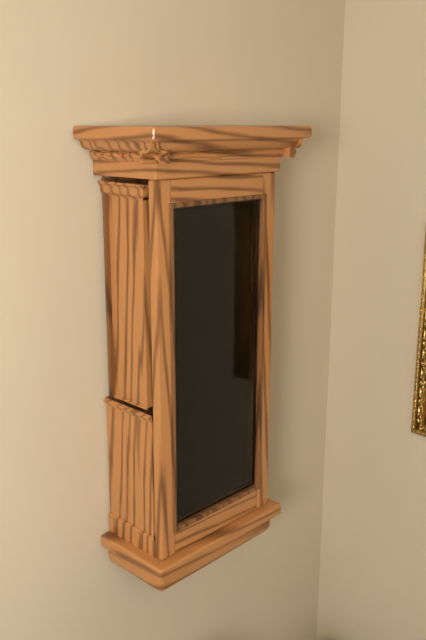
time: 7:04
